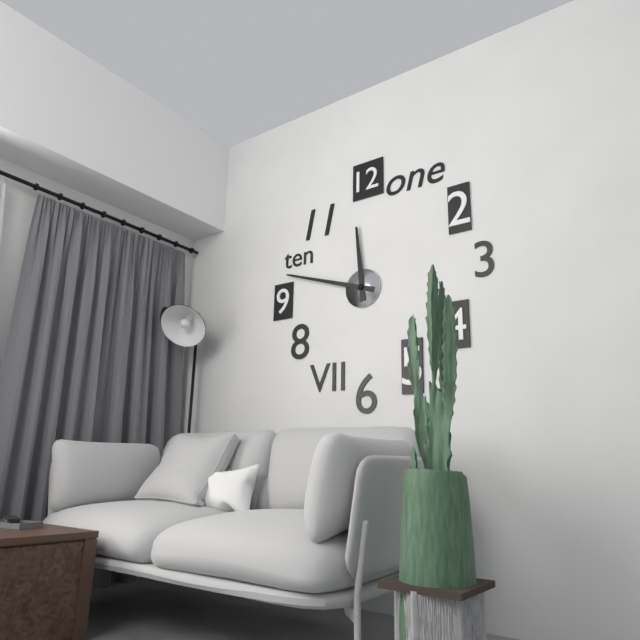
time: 11:48
